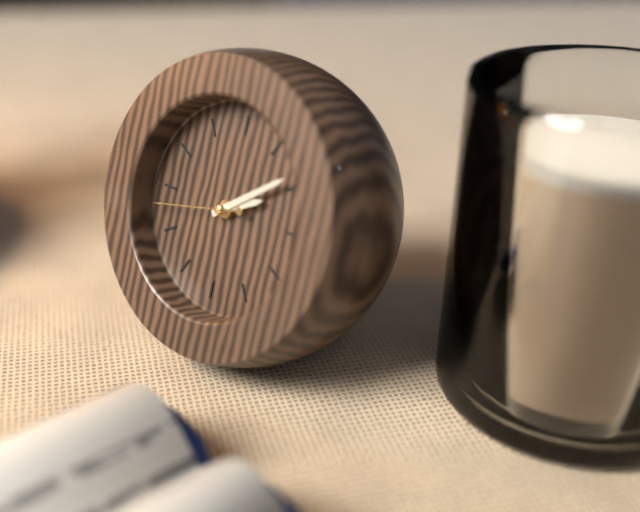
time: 2:09:43
